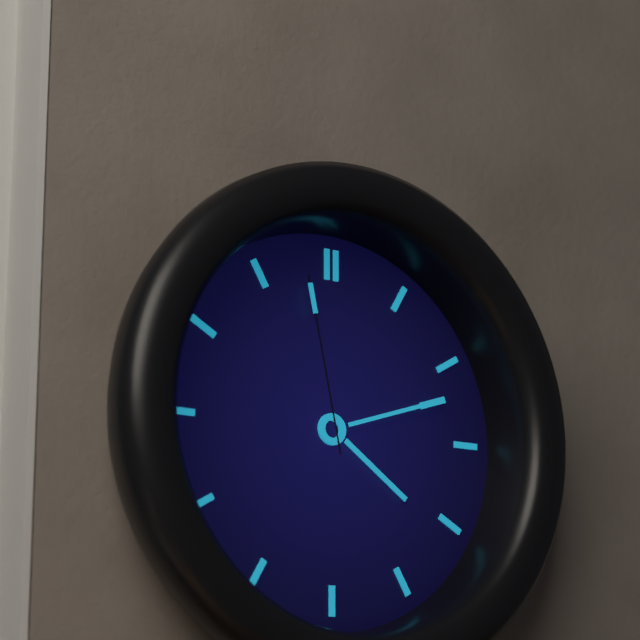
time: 4:12:58
